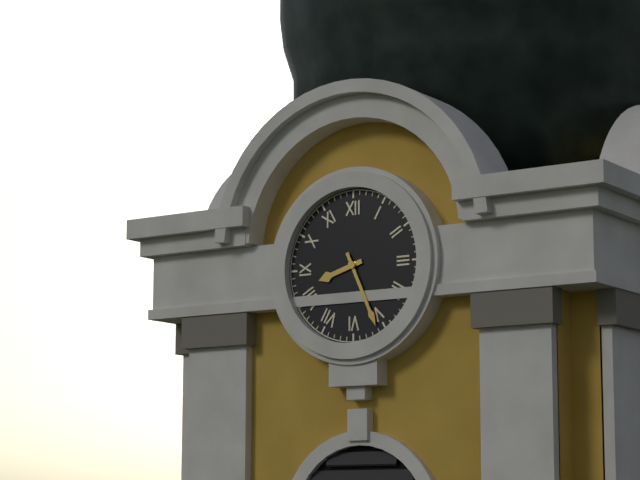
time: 8:26
